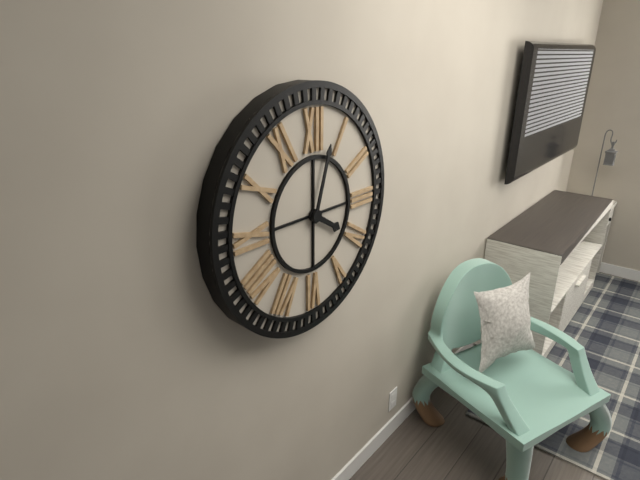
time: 4:03
